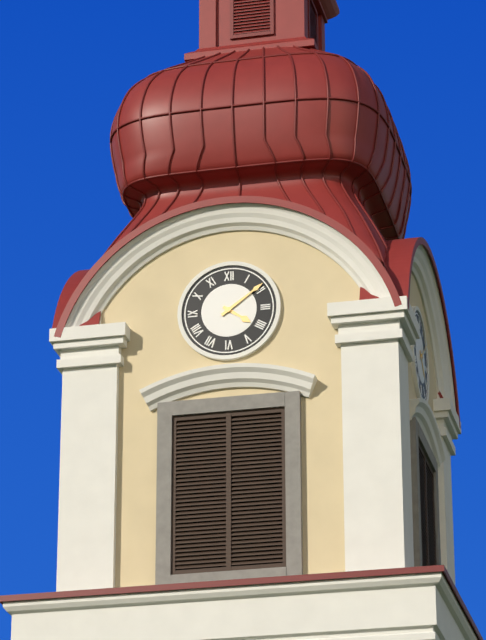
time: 4:09
